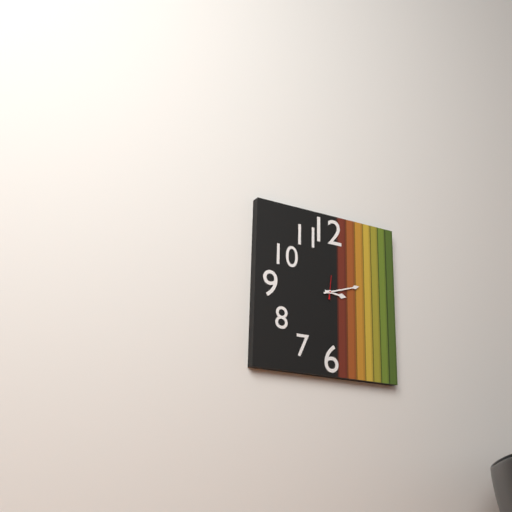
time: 3:12
